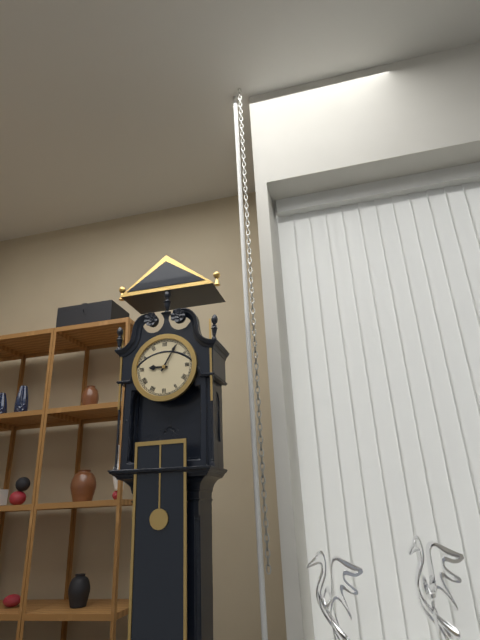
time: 9:05
